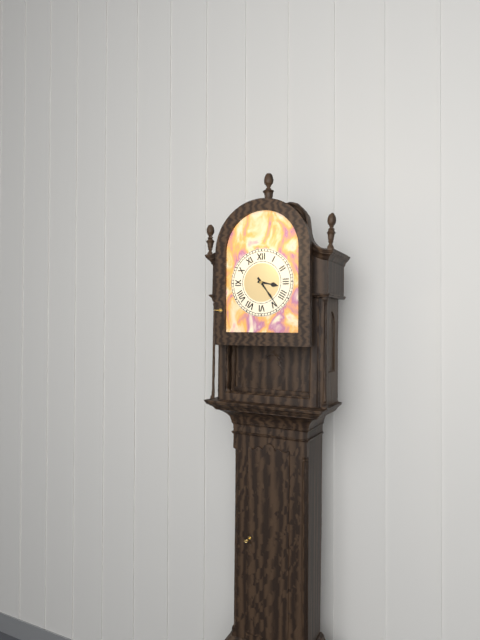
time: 3:24
